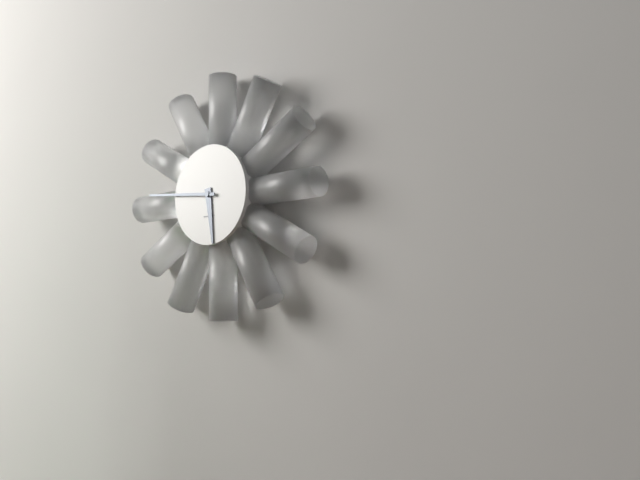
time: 5:46
